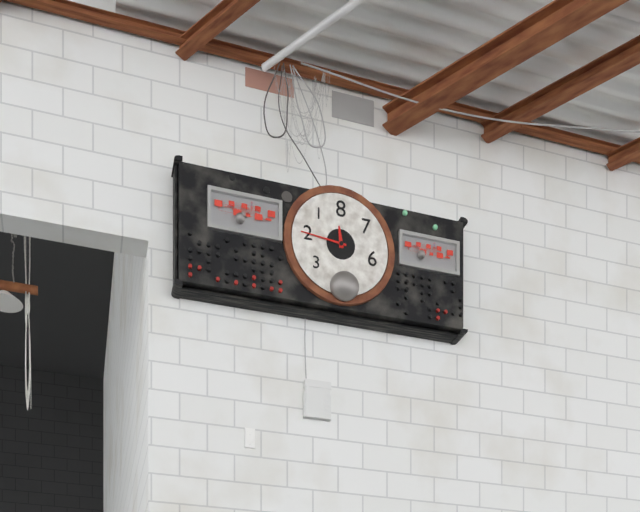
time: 11:46
